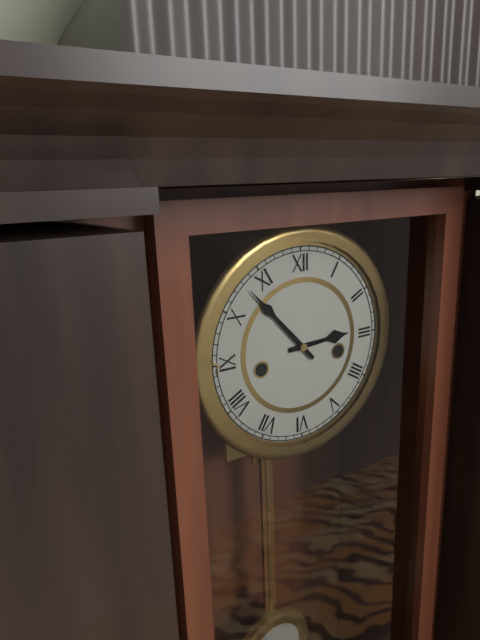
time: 2:53
